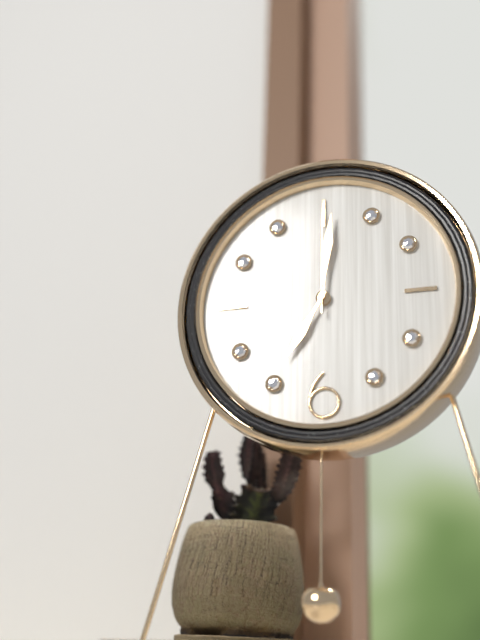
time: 7:01:00
